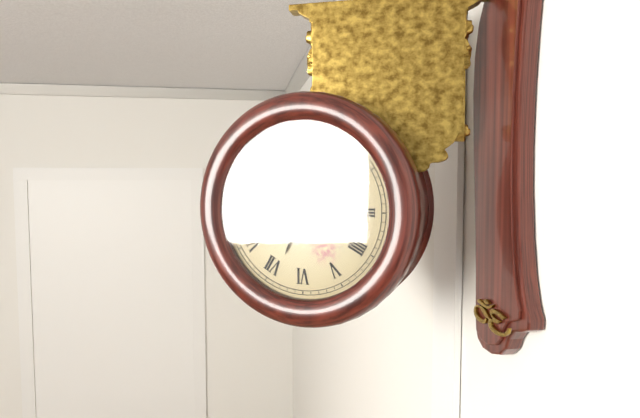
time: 6:46
